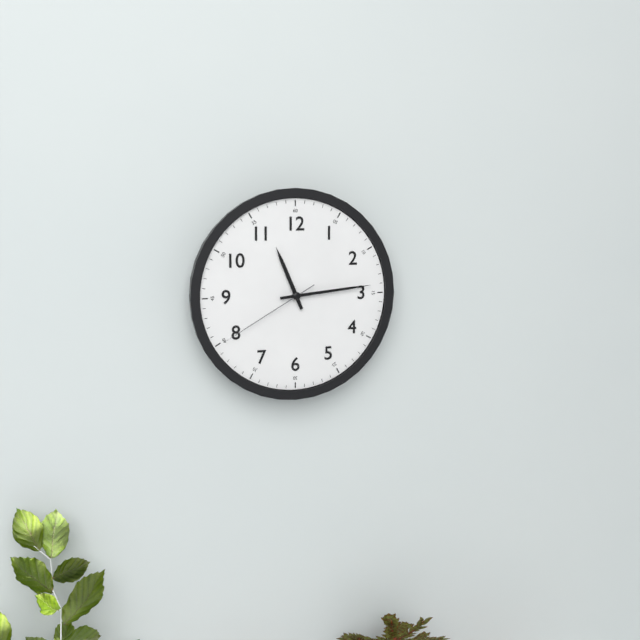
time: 11:14:40
